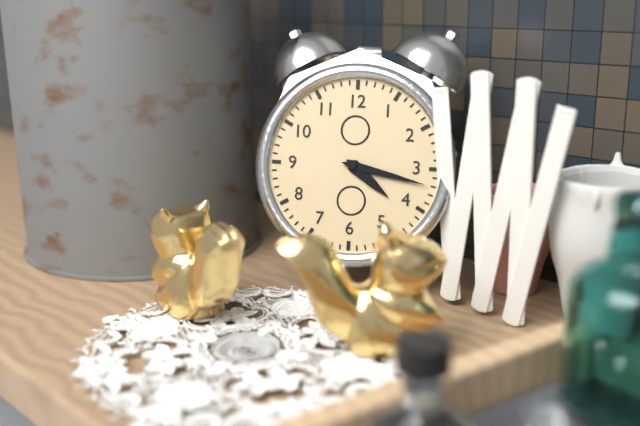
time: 4:17
